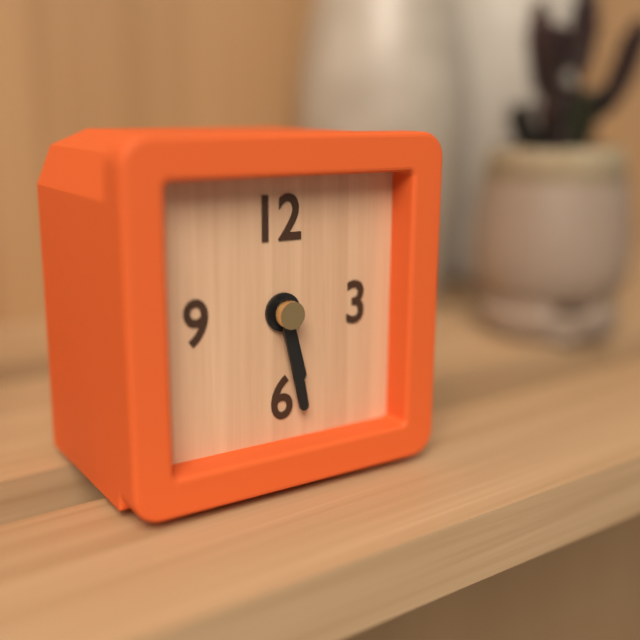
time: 5:28
